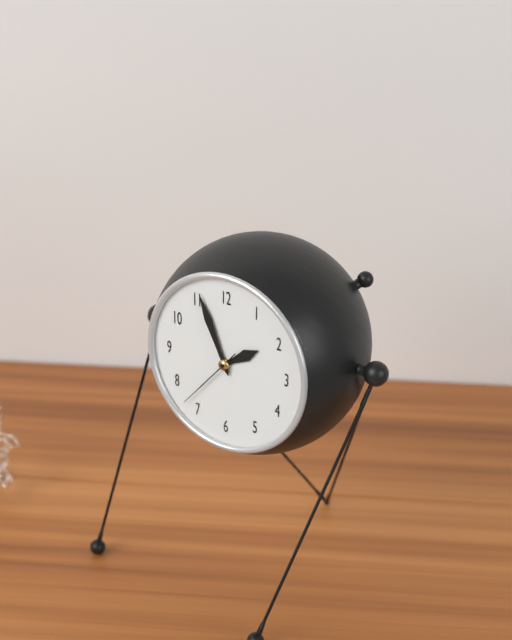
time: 1:56:37
